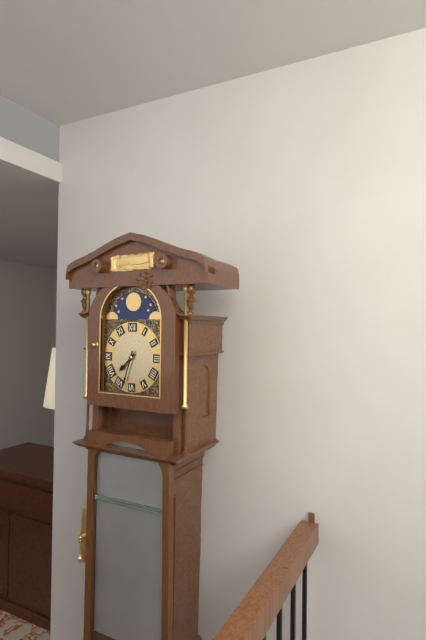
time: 7:33
